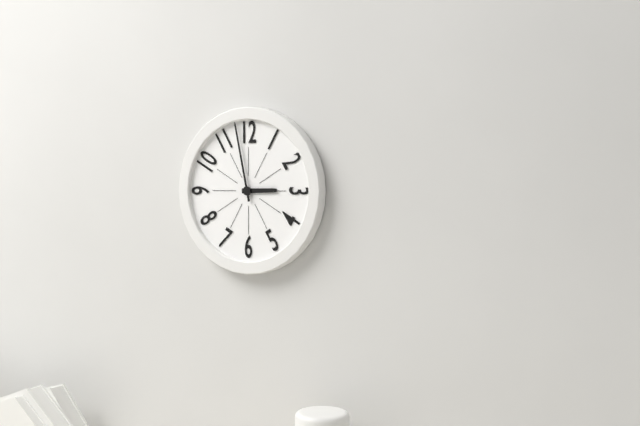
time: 2:58
